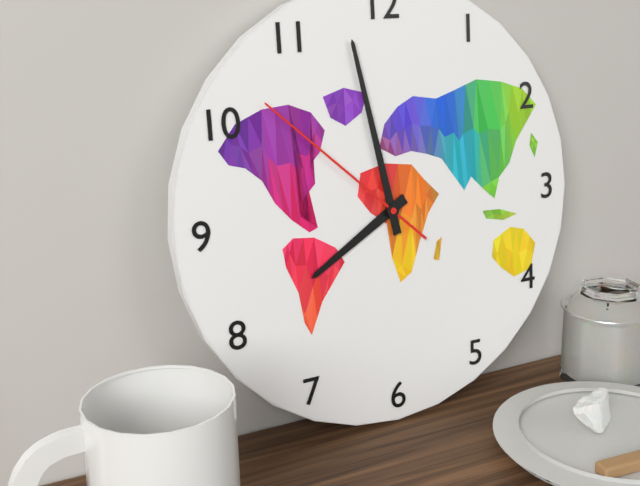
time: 7:58:52
